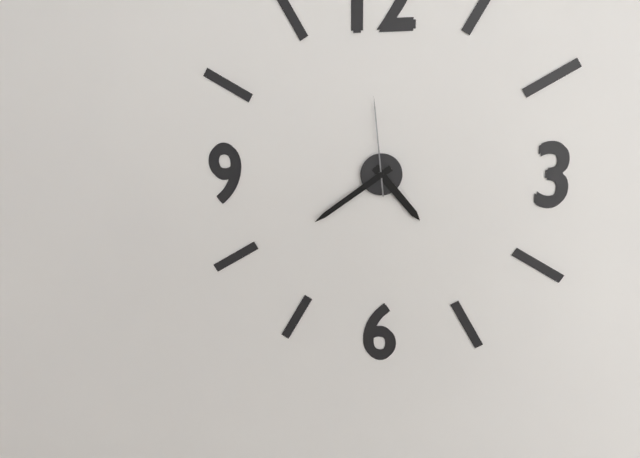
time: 4:39:59
